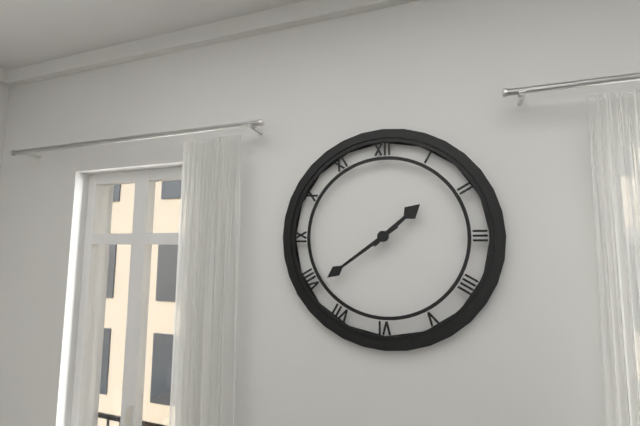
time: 1:39
